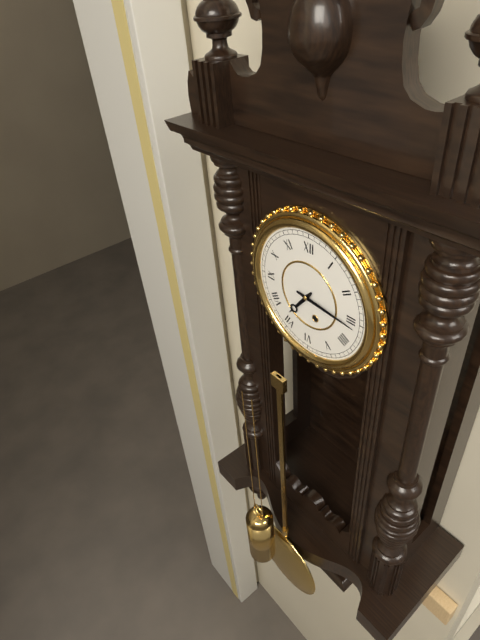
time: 7:16
